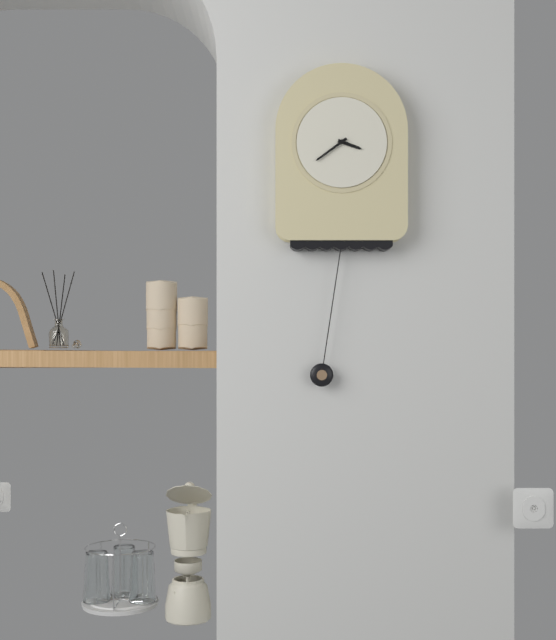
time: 3:39
